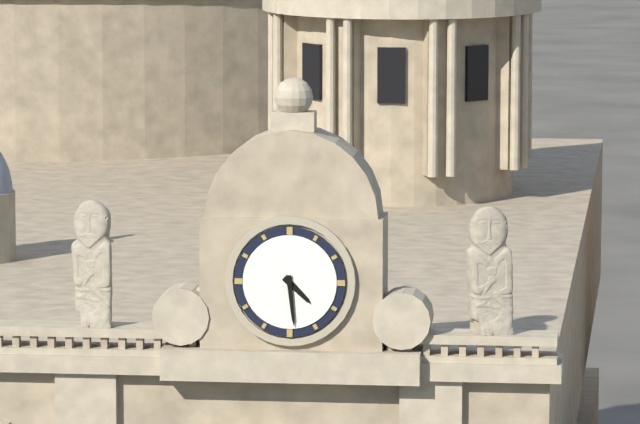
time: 4:29
